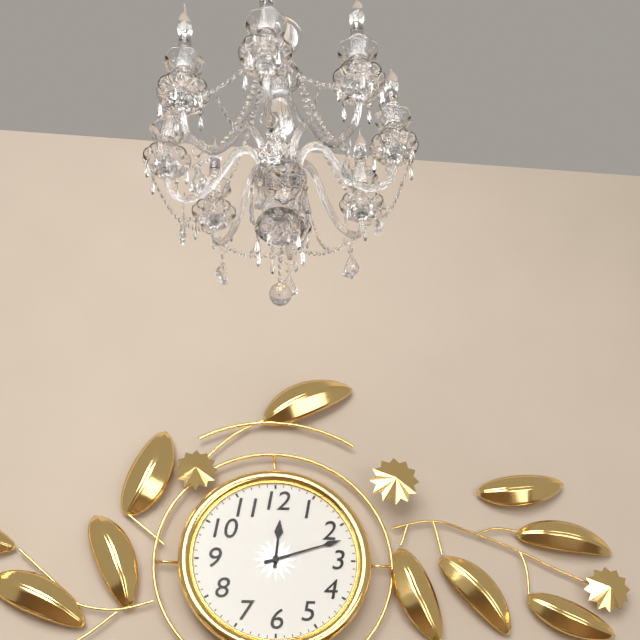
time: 12:12
